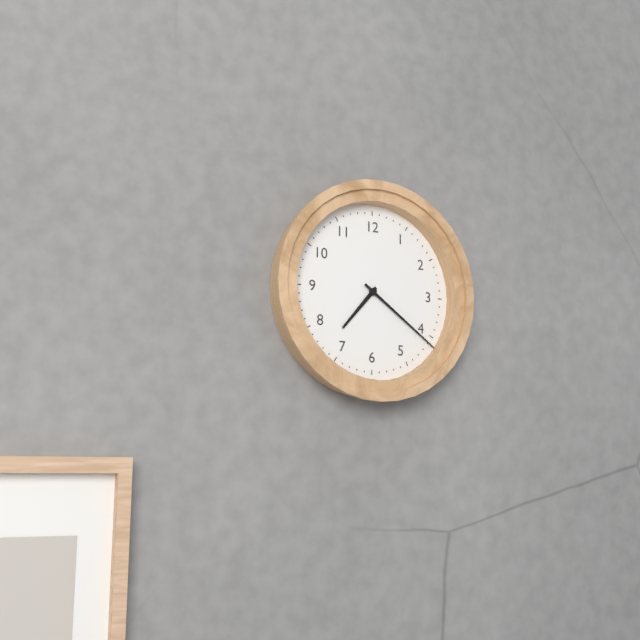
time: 7:21
